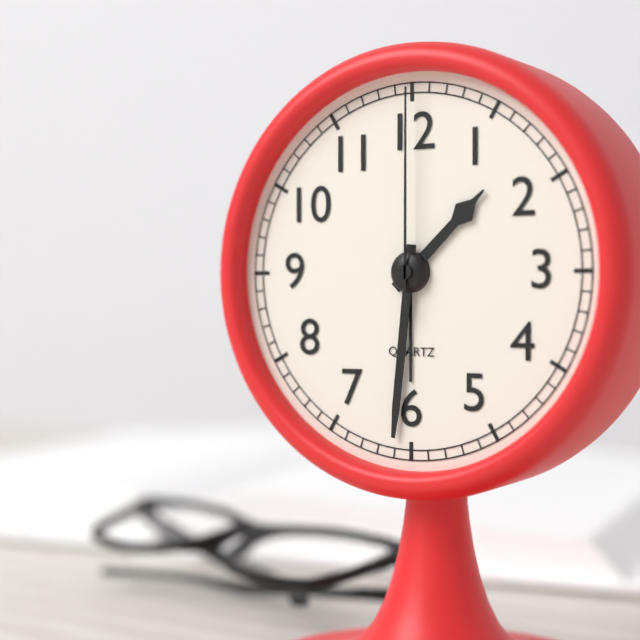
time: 1:31:00
